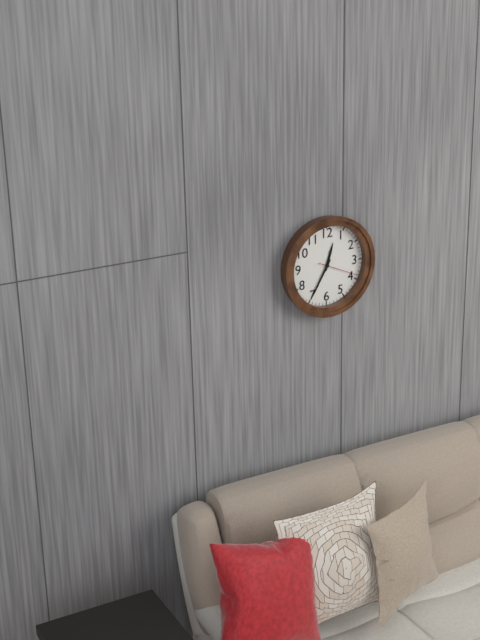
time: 12:35
